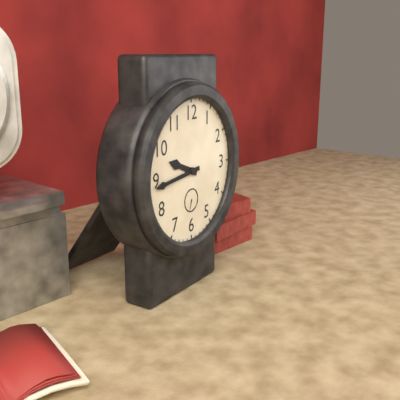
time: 9:44
